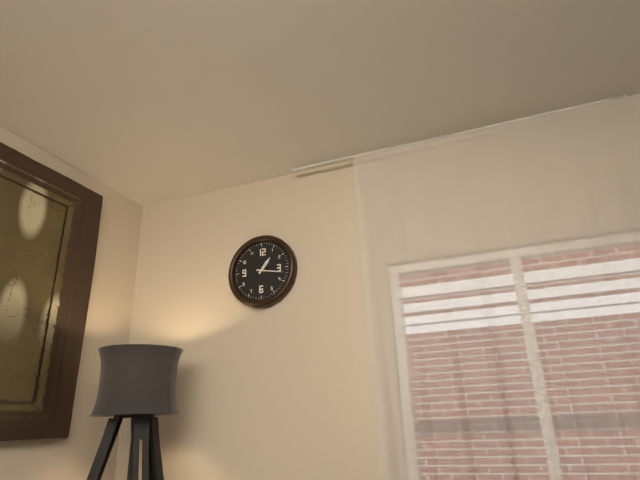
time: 1:17
